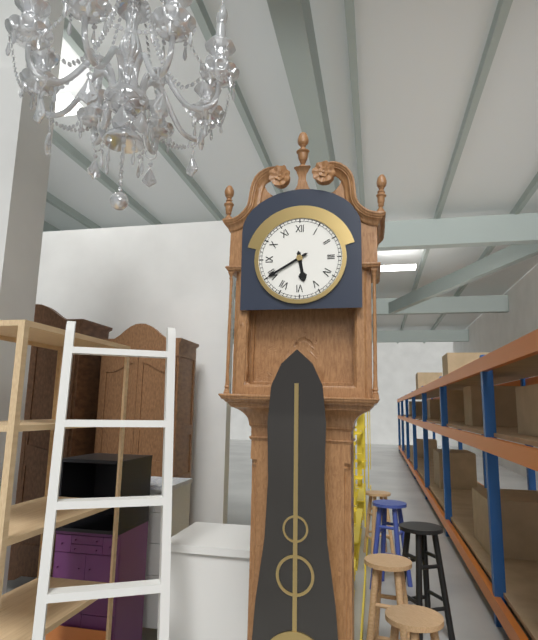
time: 5:40
